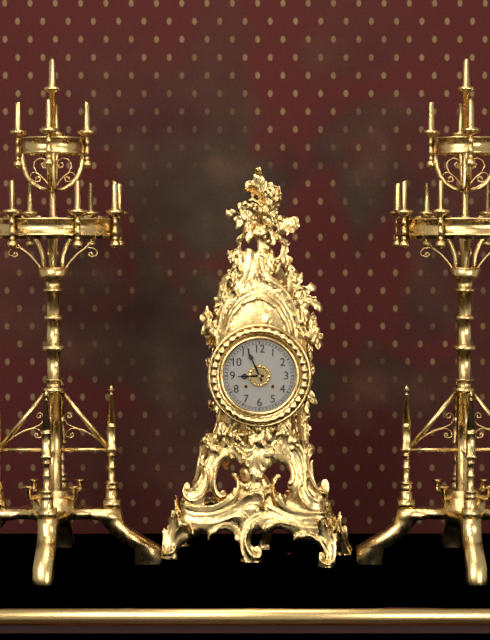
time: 8:56
